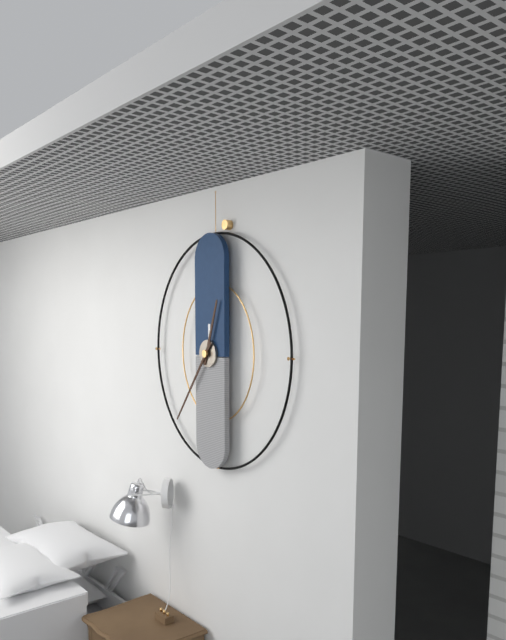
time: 12:36
